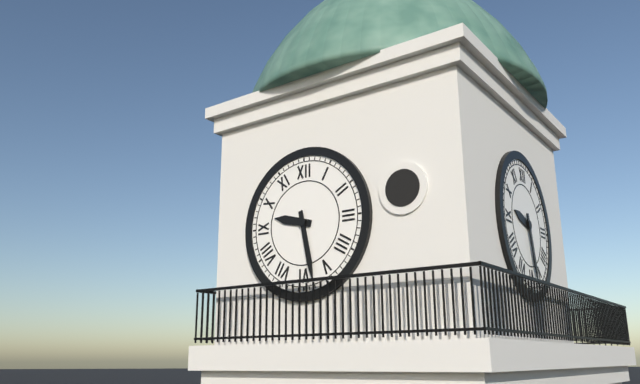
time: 9:28
